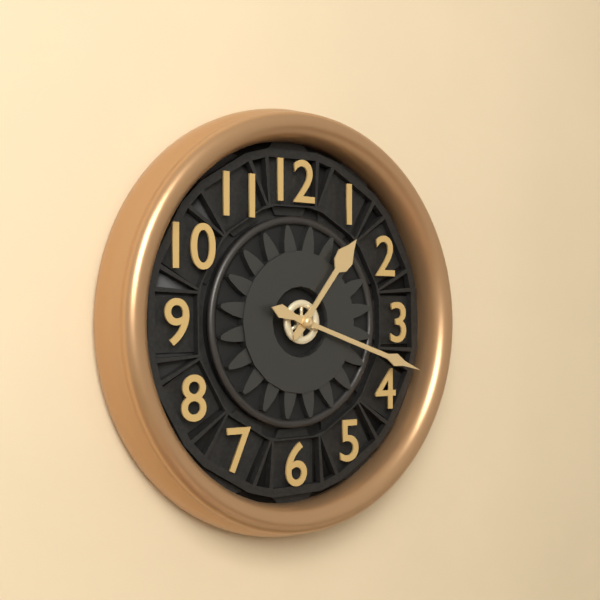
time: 1:18
